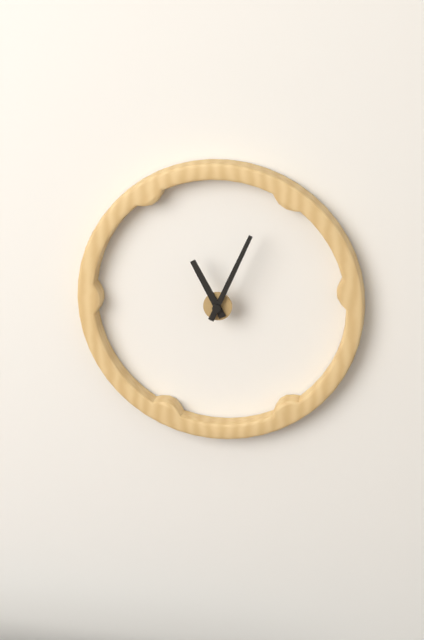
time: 11:04
